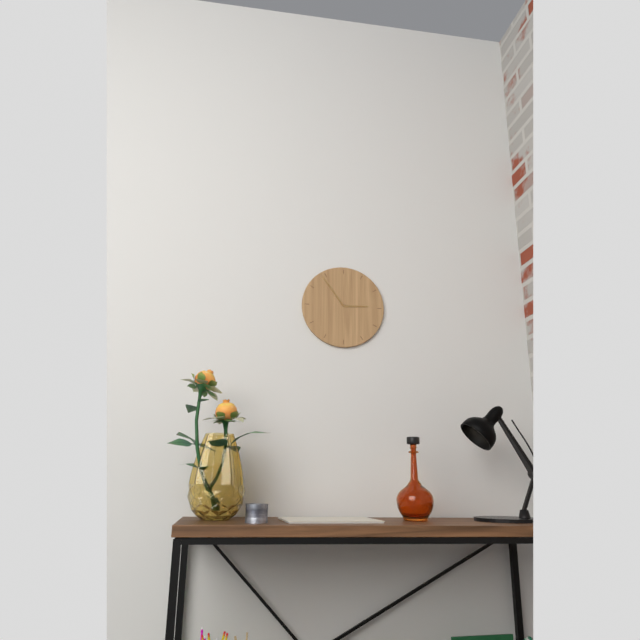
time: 2:54
